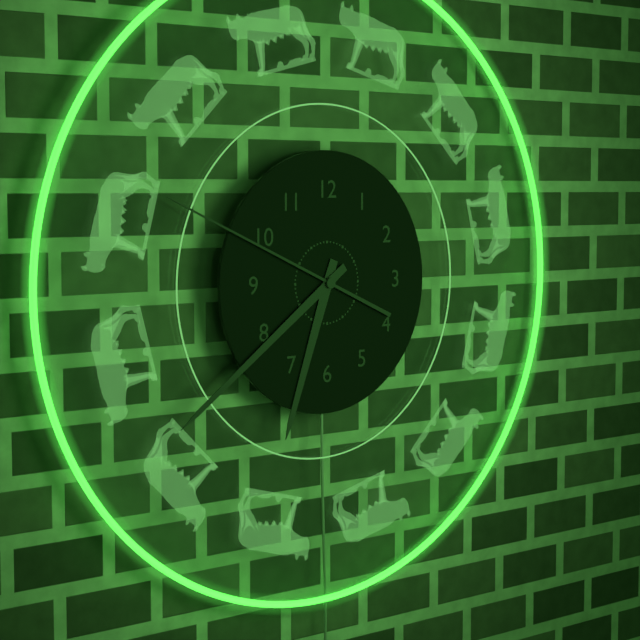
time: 6:39:49
